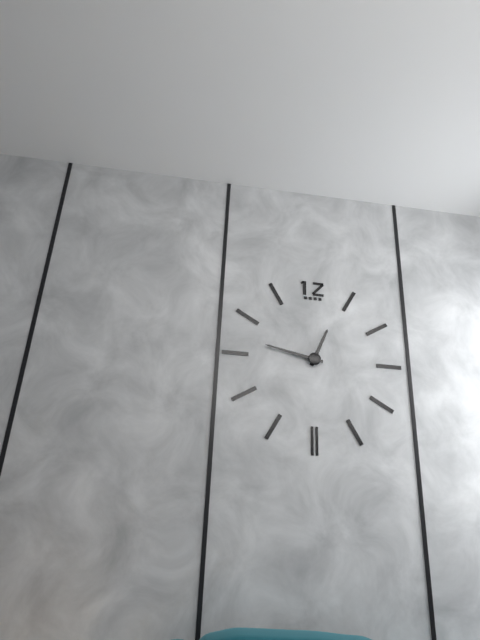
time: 12:47
